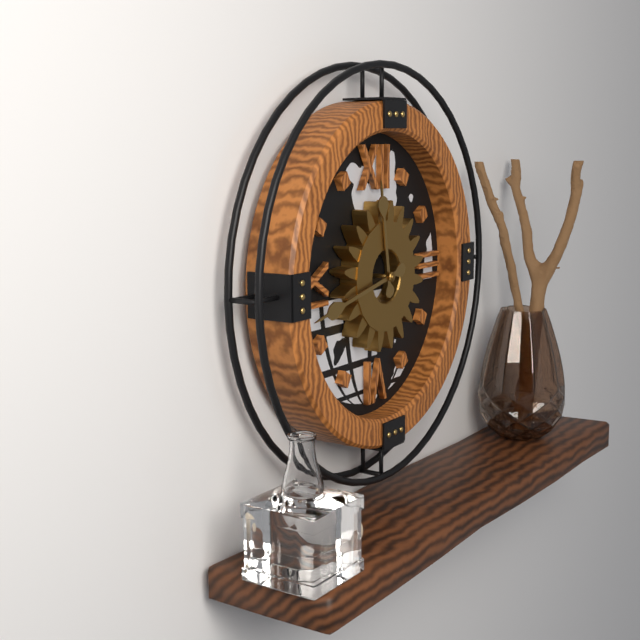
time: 11:43
